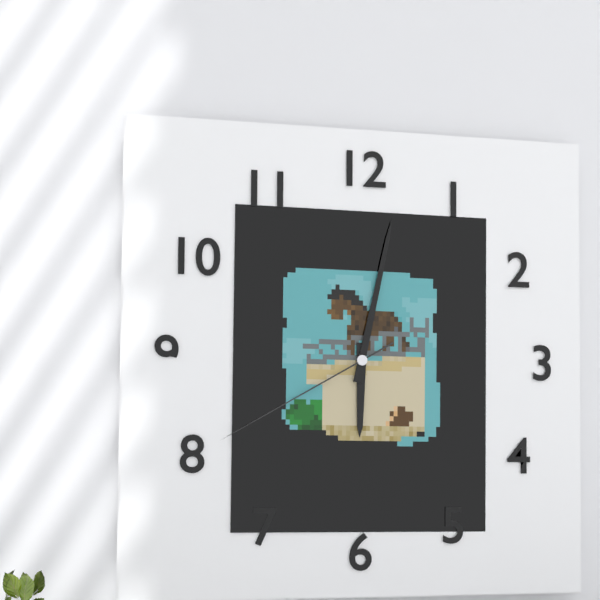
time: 6:02:40
